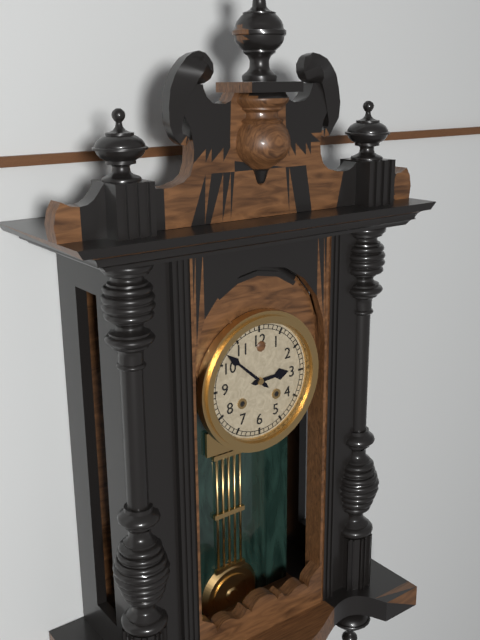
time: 2:52
